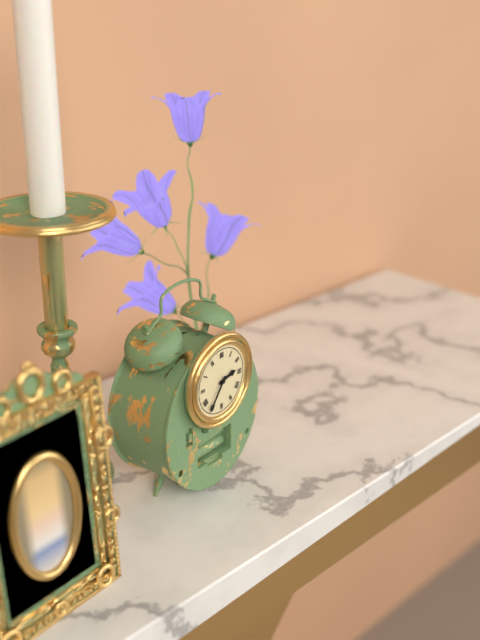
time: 2:36
